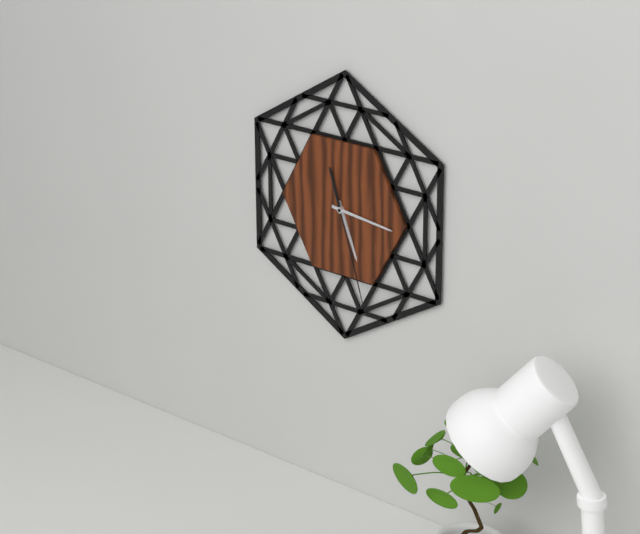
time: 5:16:27
